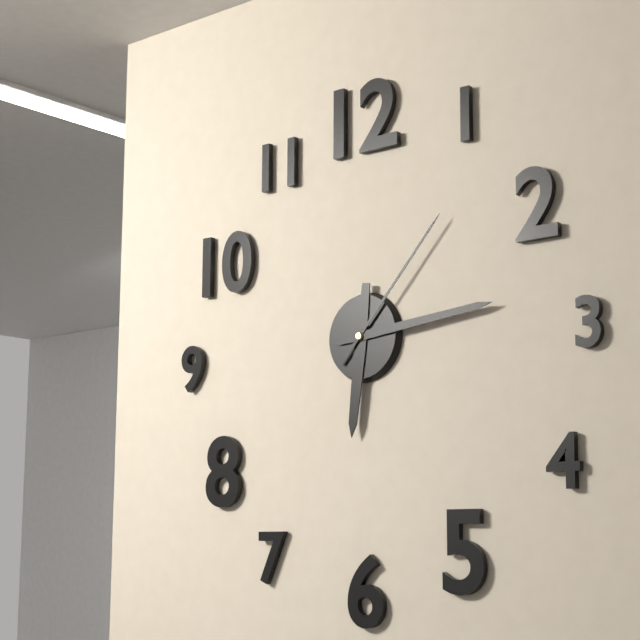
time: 6:14:07
